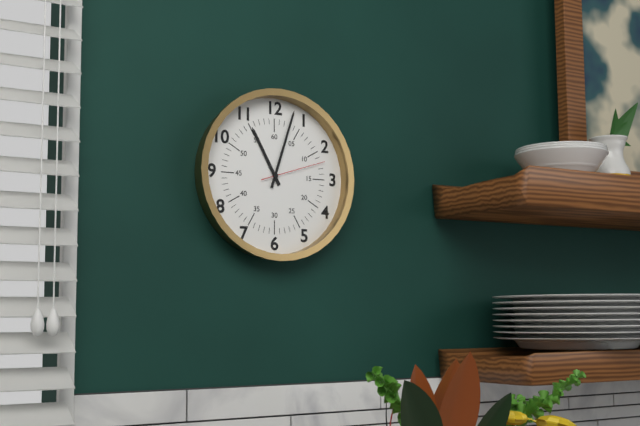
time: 11:03:12
